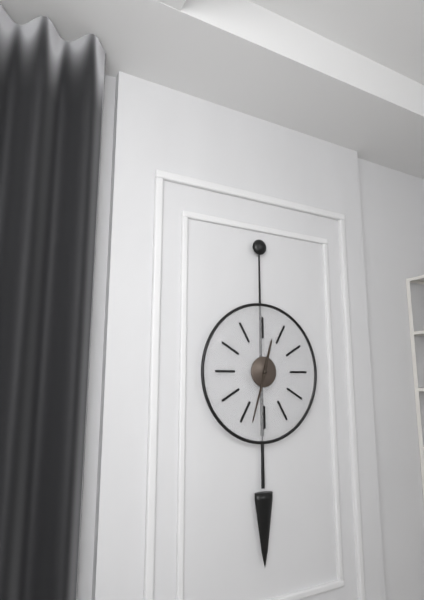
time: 12:33
